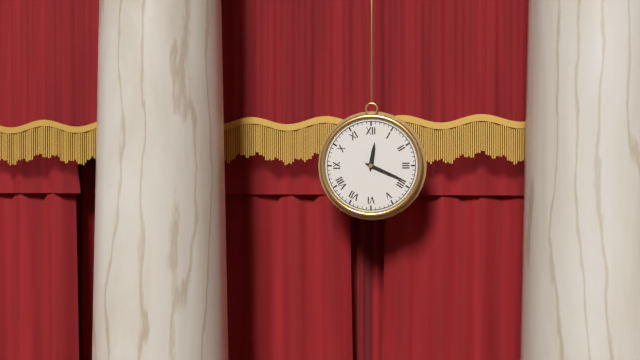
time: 12:19
